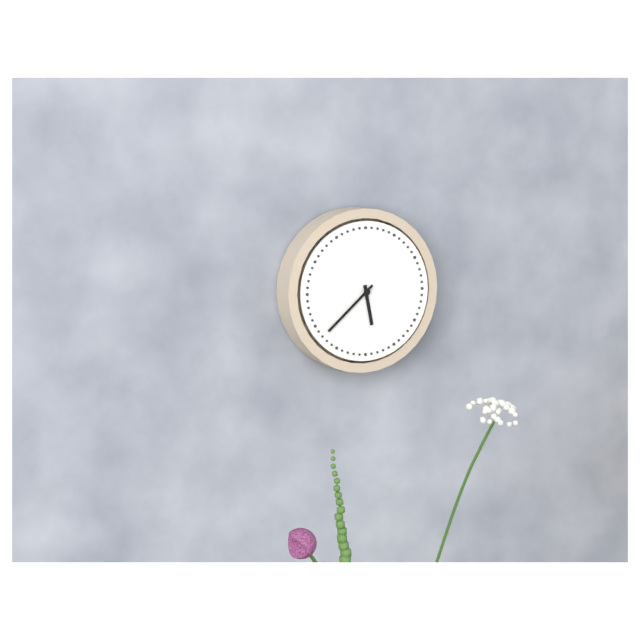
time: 5:38
